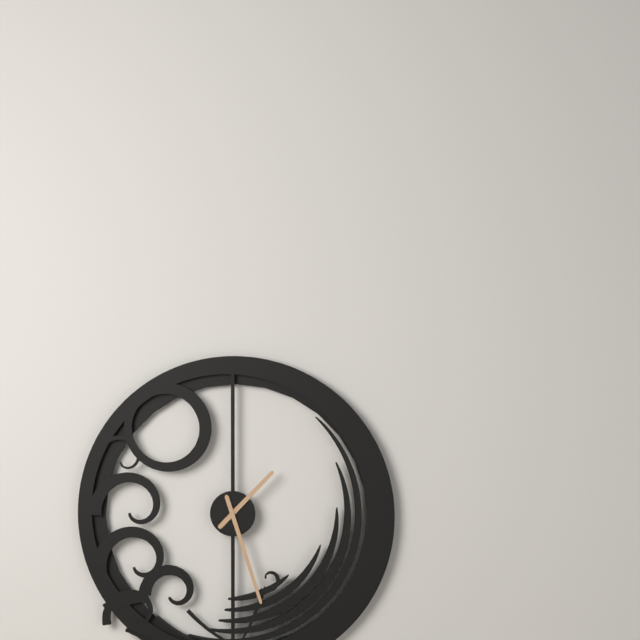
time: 1:27
